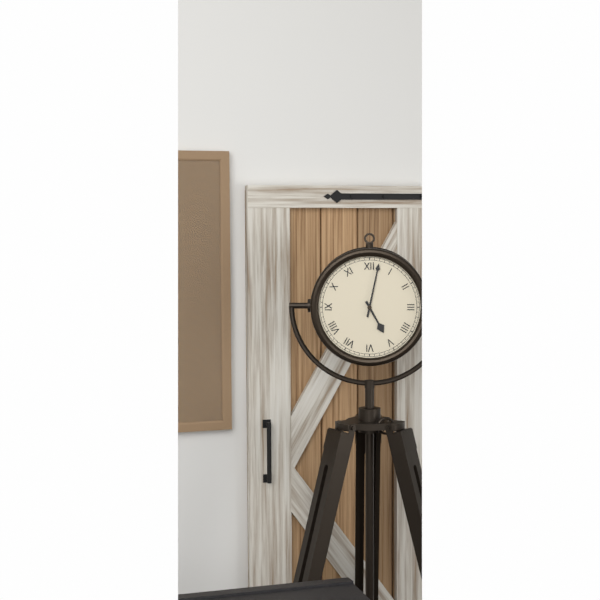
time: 5:02
